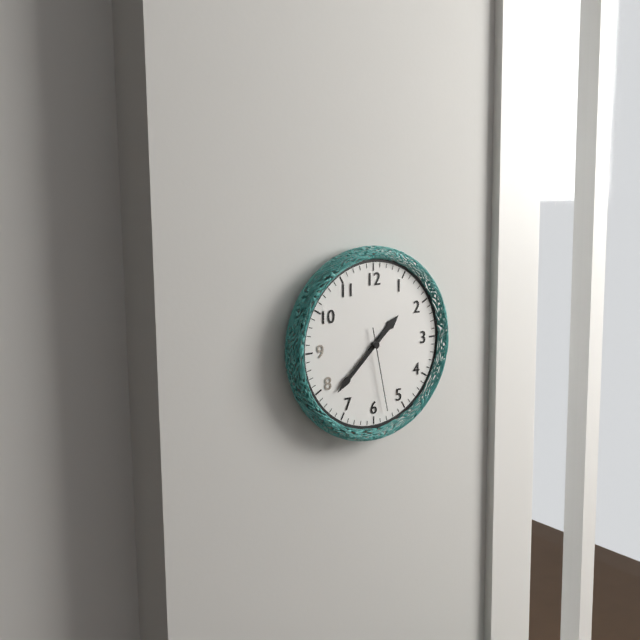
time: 1:38:28
